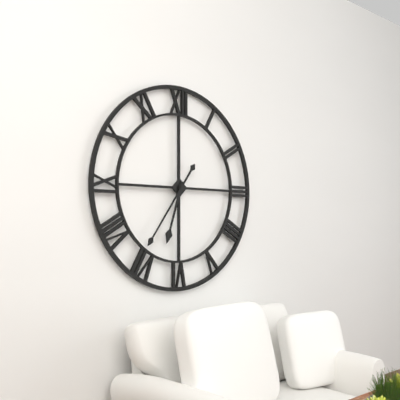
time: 6:36
